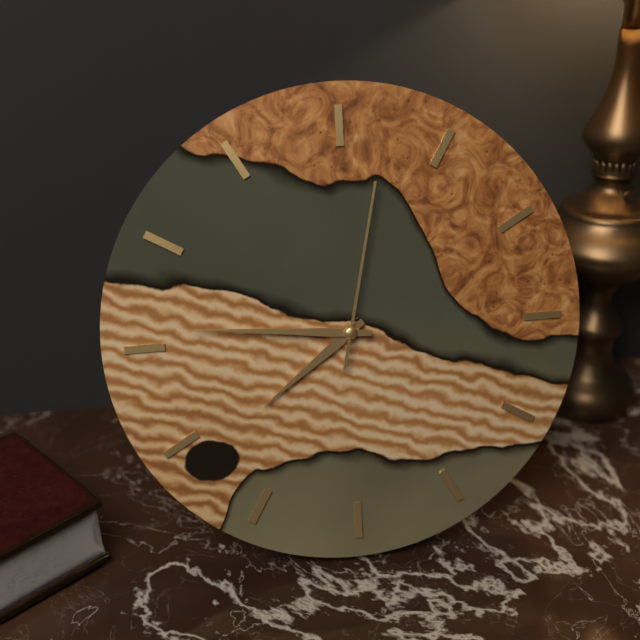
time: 7:46:02
